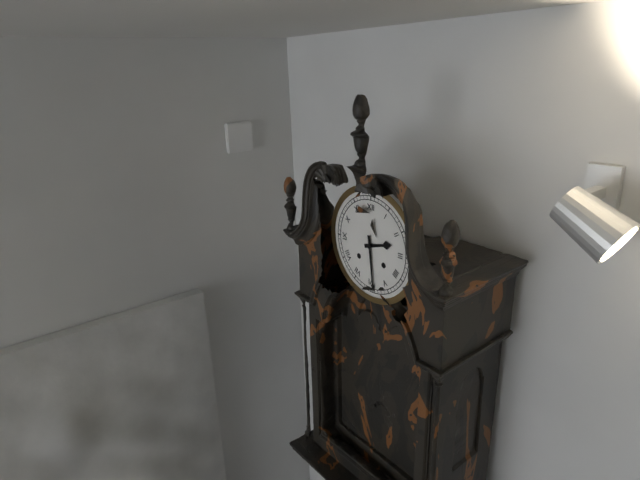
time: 2:29
